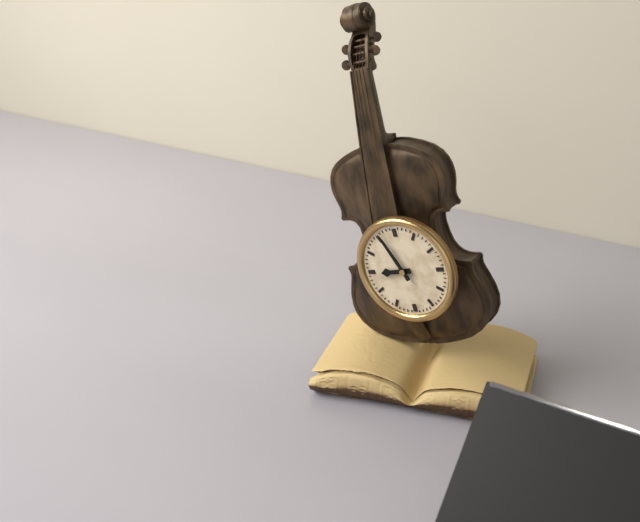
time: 8:56
